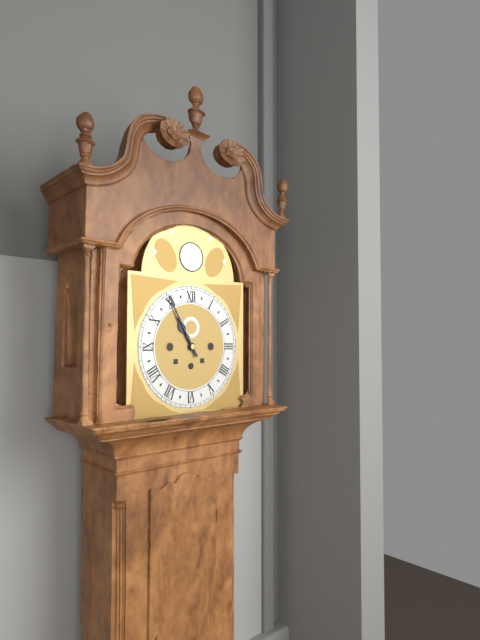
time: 10:55
